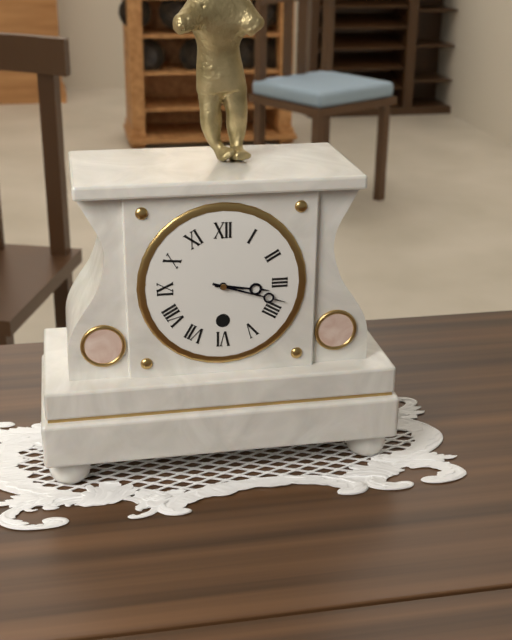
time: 3:18
